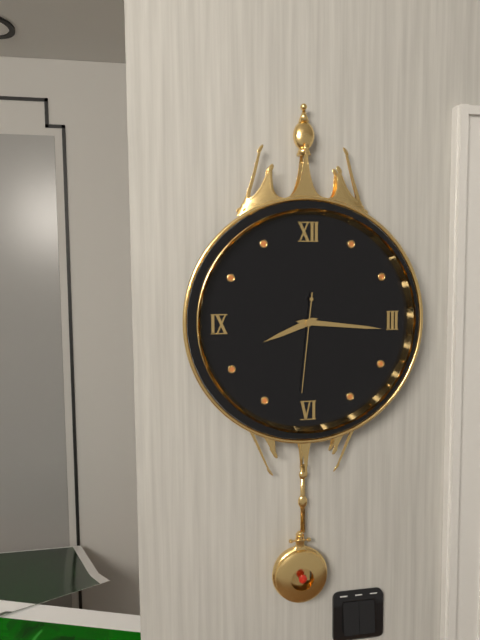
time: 8:16:31
